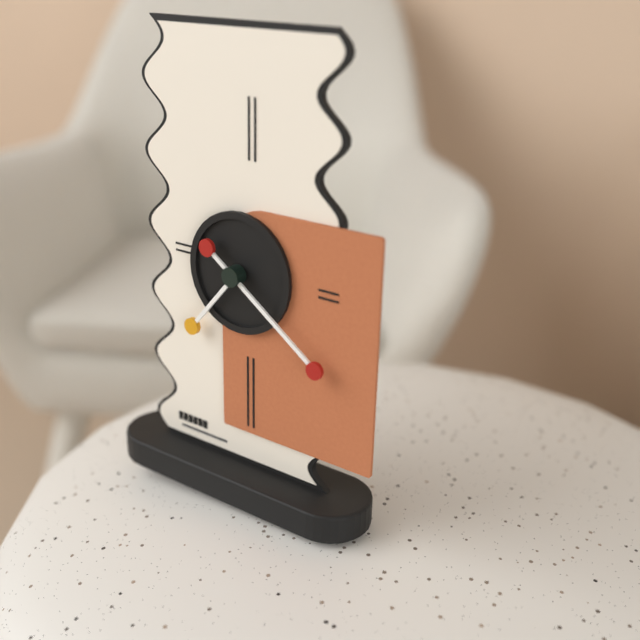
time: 7:21
